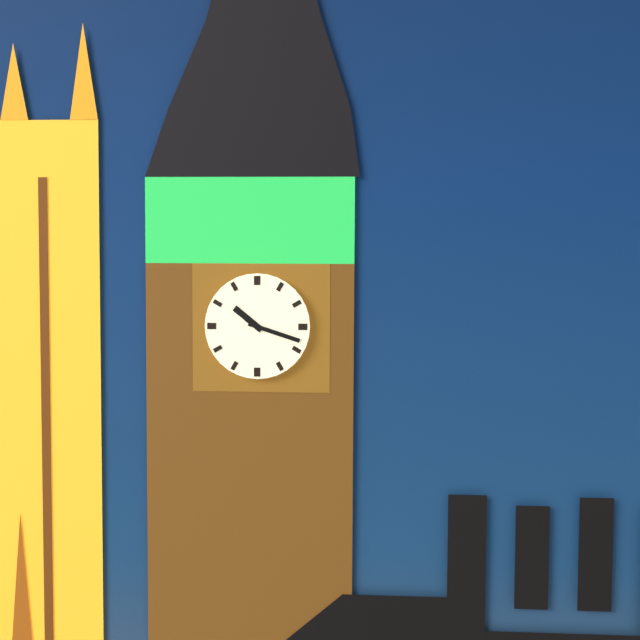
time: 10:18
